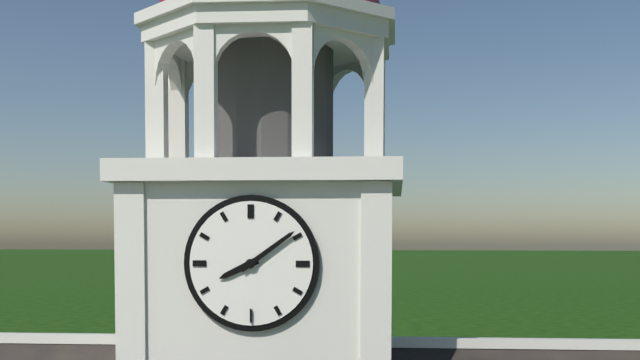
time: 8:09
